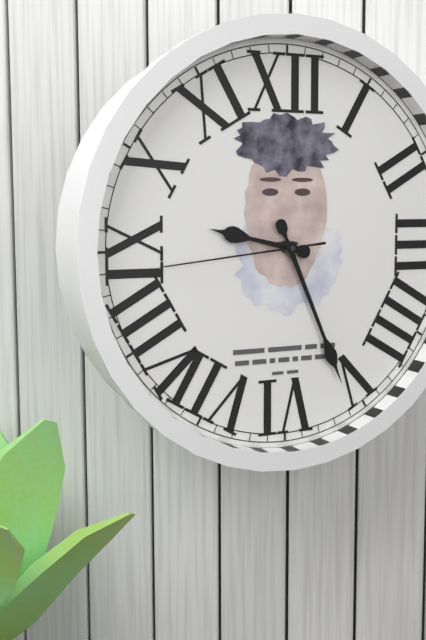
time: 9:26:44
